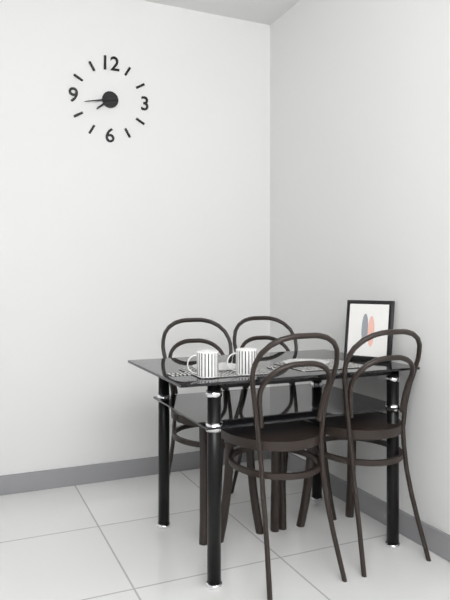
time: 7:43
